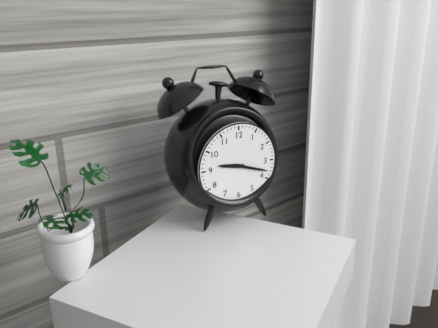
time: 9:18
